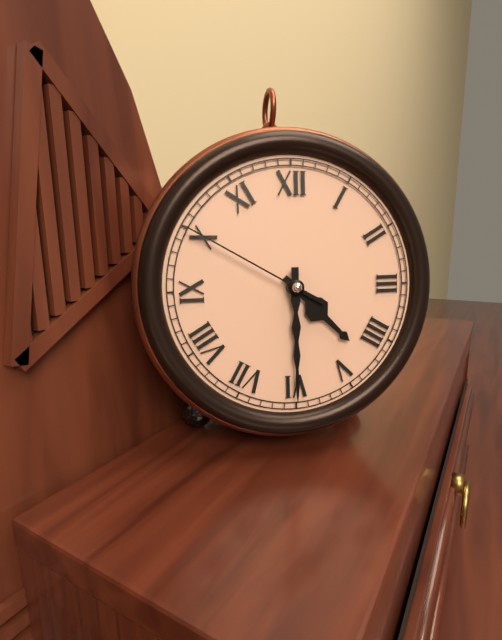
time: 4:30:50
